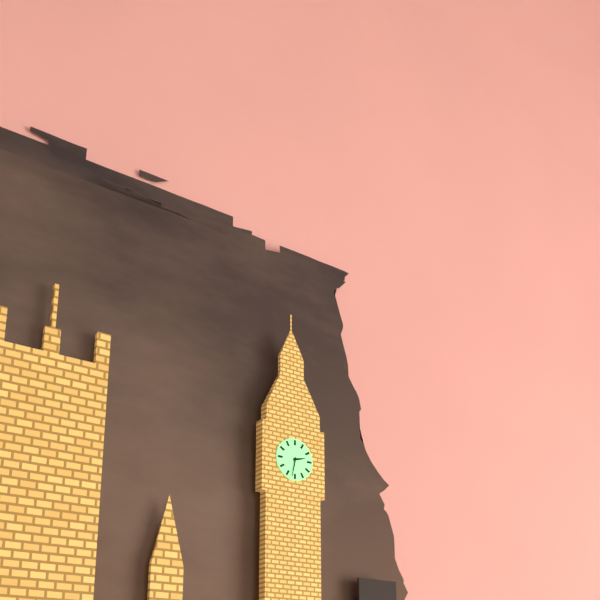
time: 2:32
